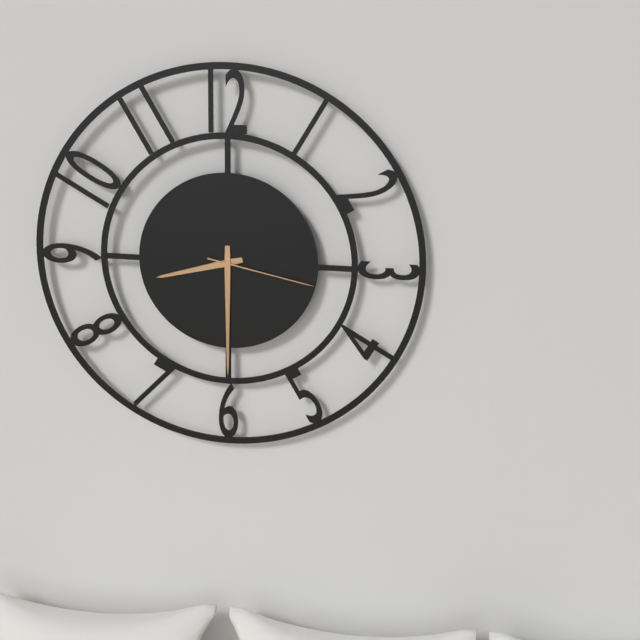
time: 8:30:17
